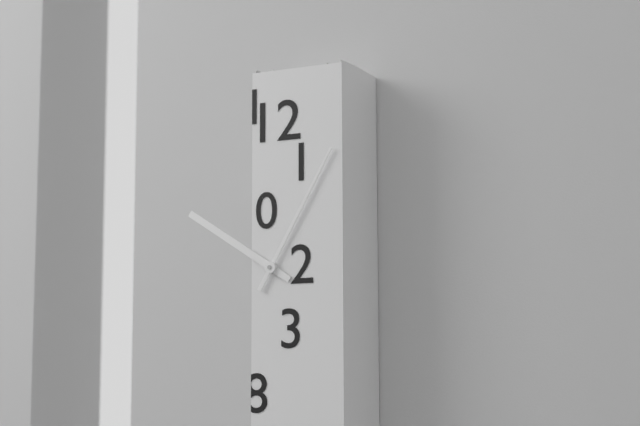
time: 10:05
